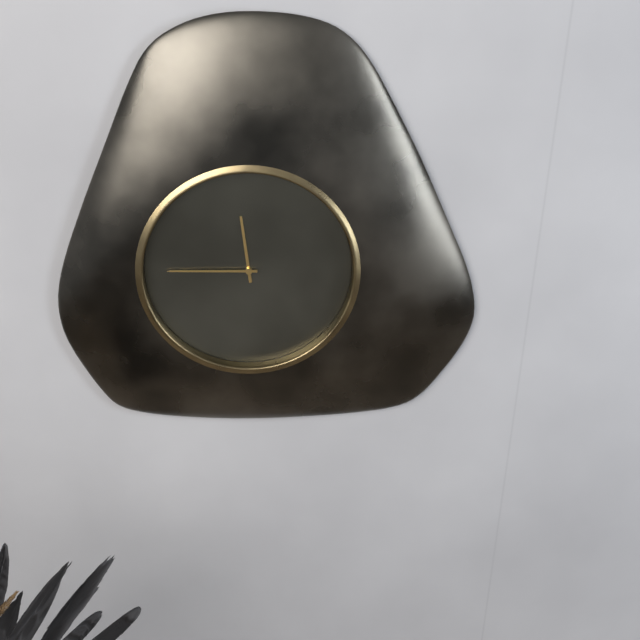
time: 11:45
